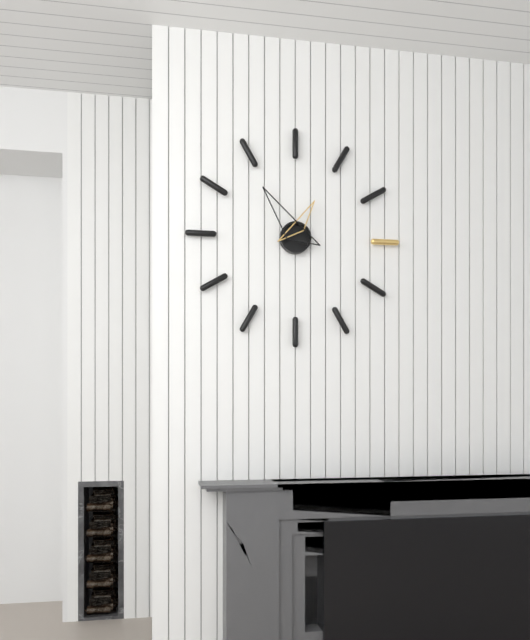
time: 12:54
